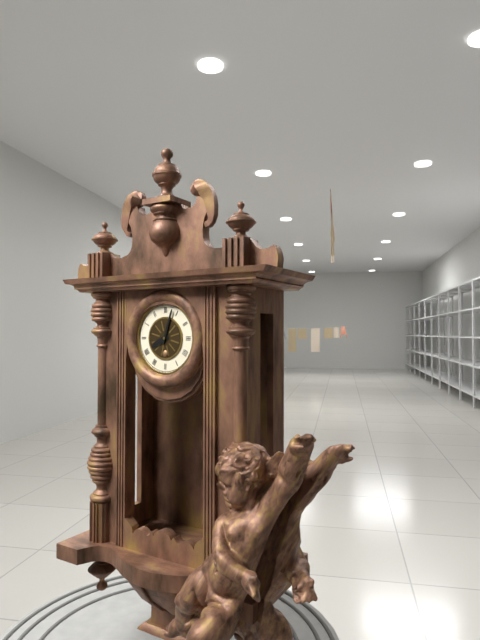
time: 8:03
